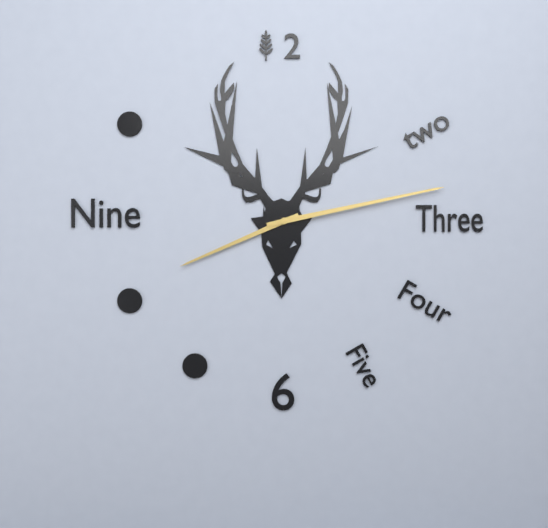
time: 8:13
